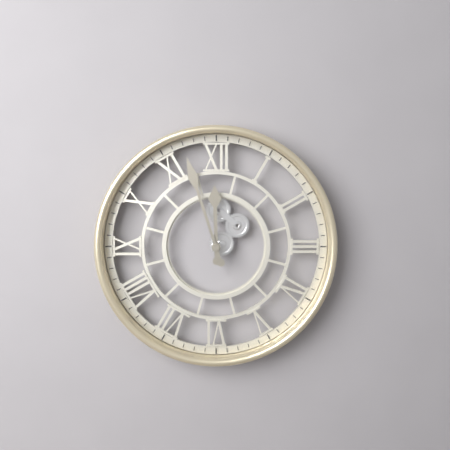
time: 11:57
